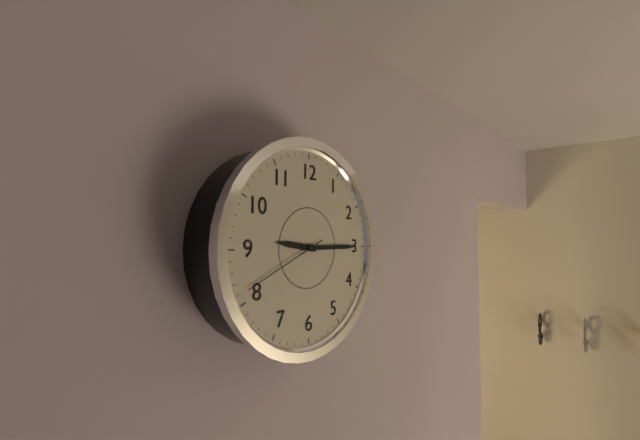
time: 9:15:41
